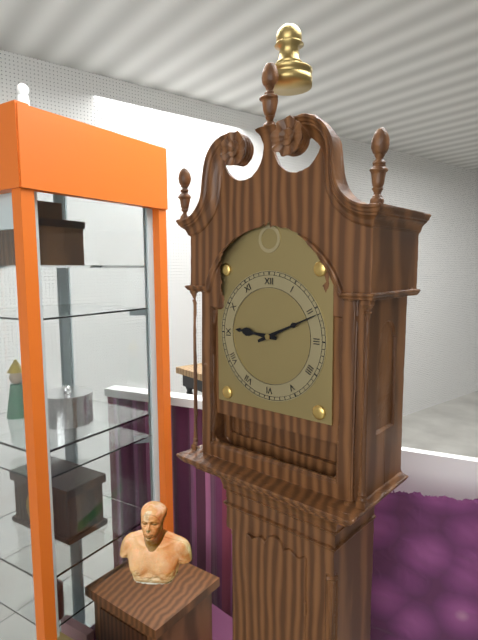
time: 9:11
